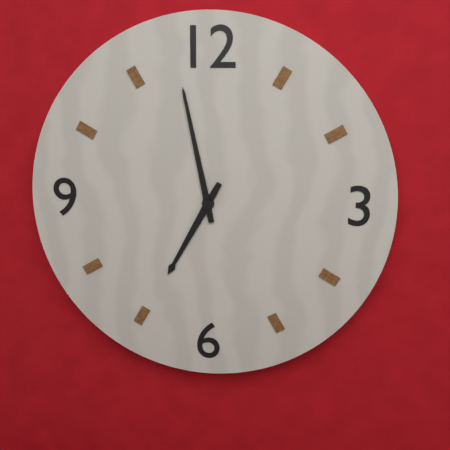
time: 6:58
